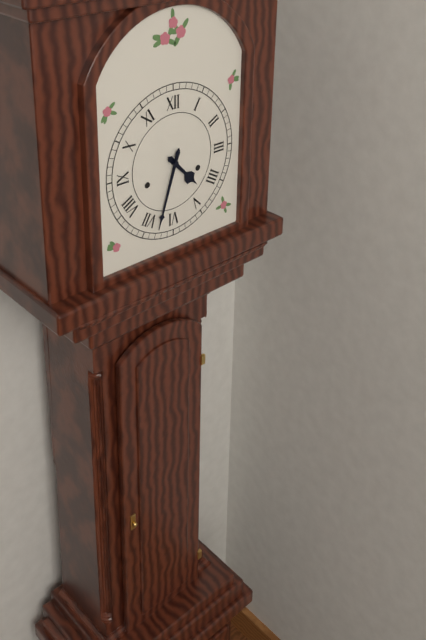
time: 4:33
